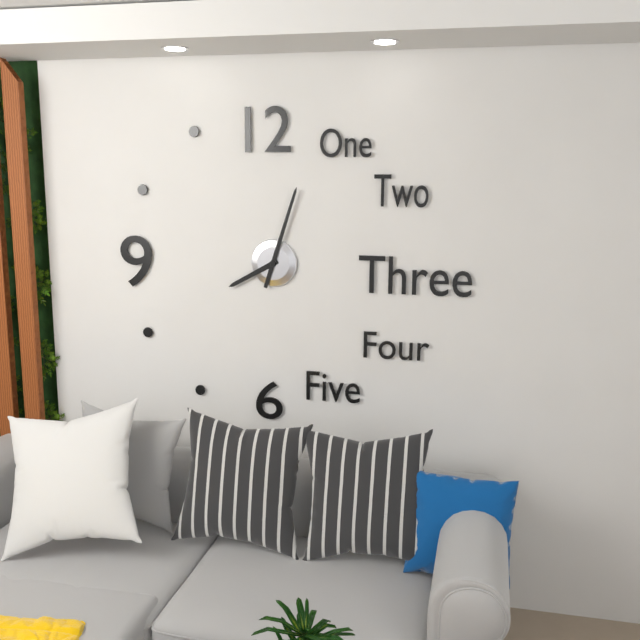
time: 8:03
